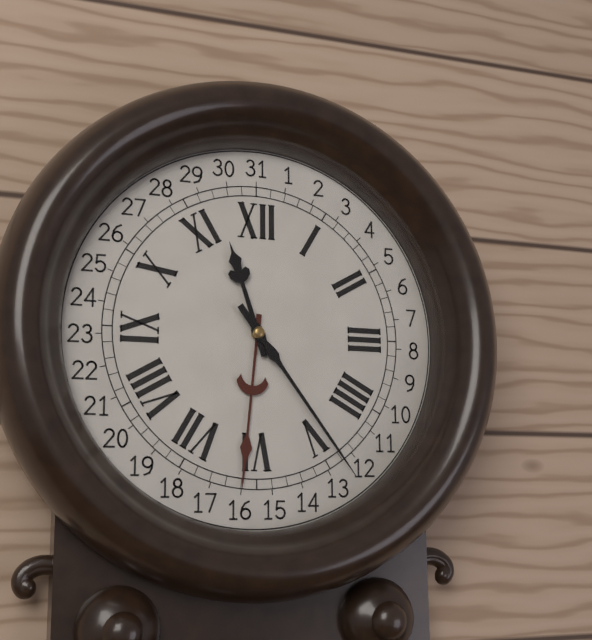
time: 11:24
